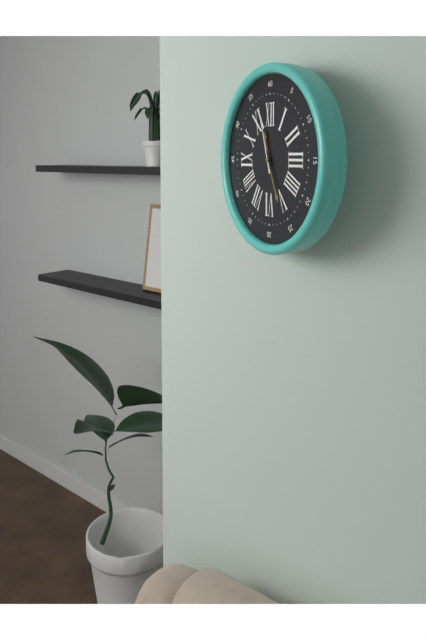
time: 11:26:57
